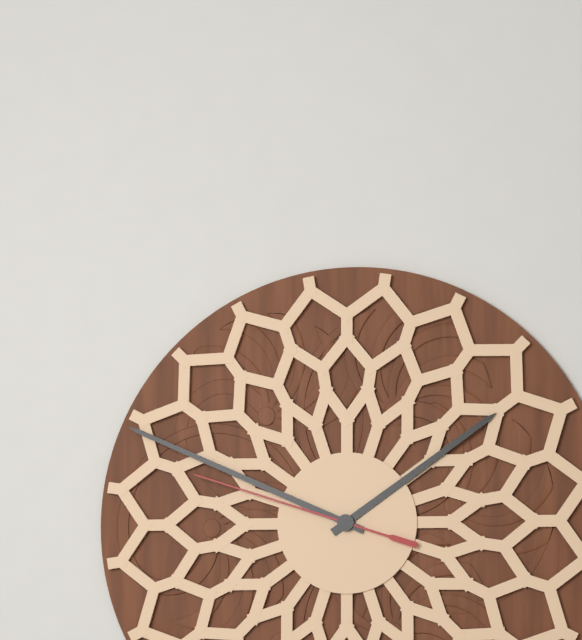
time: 1:49:48
